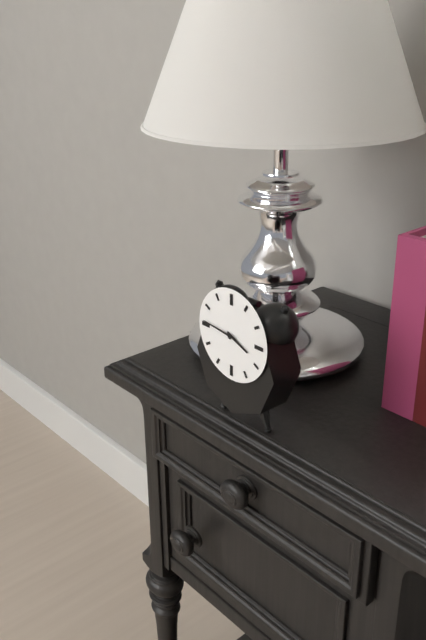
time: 3:46
